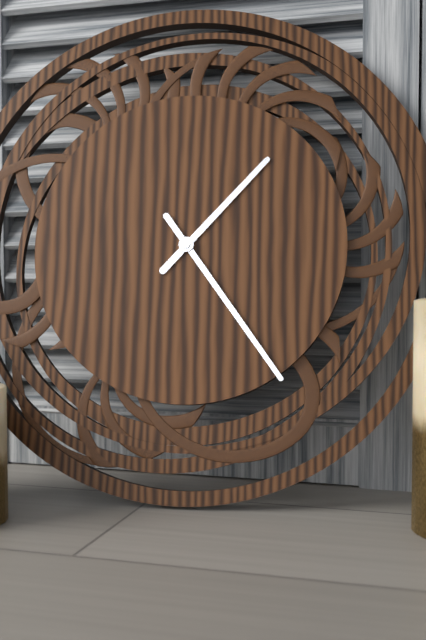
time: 1:24
